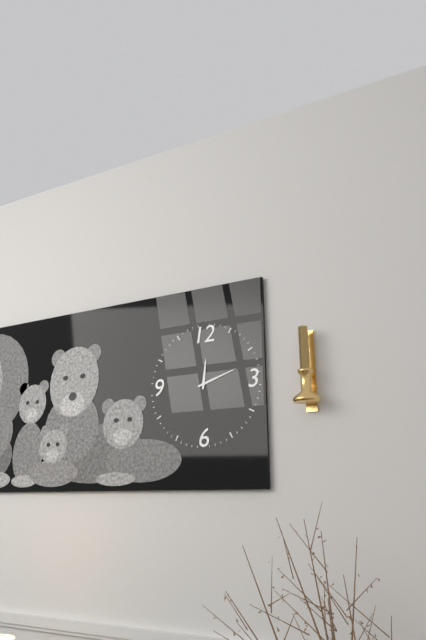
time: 12:12
